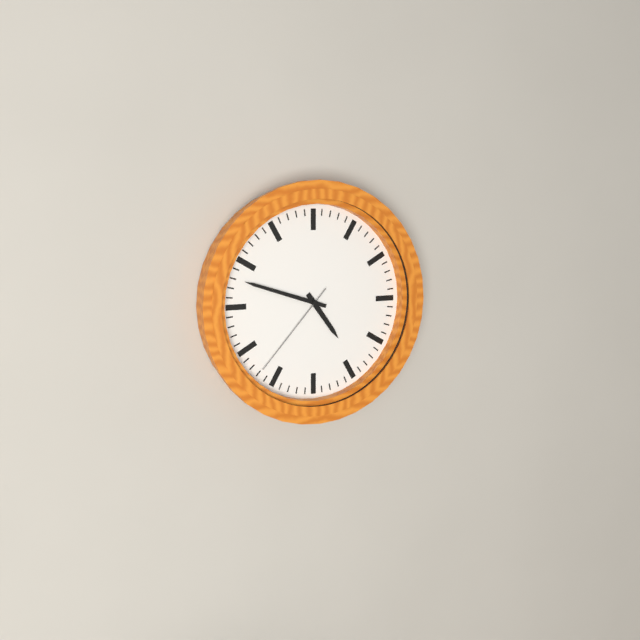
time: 4:48:37
